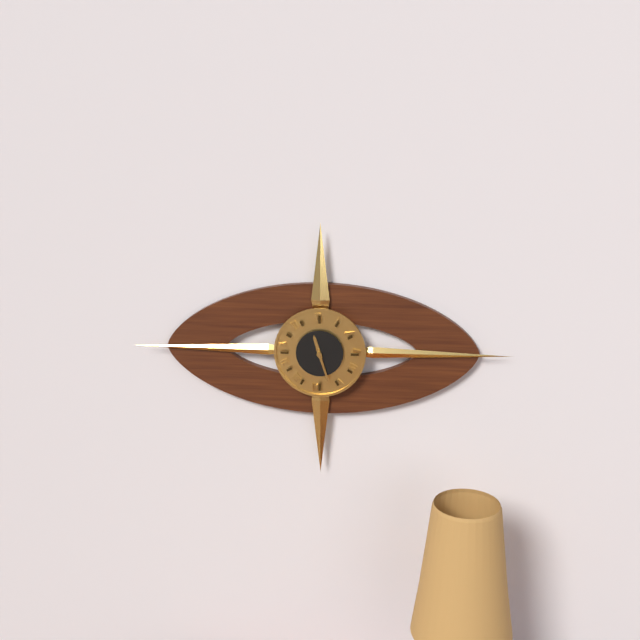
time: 11:27
